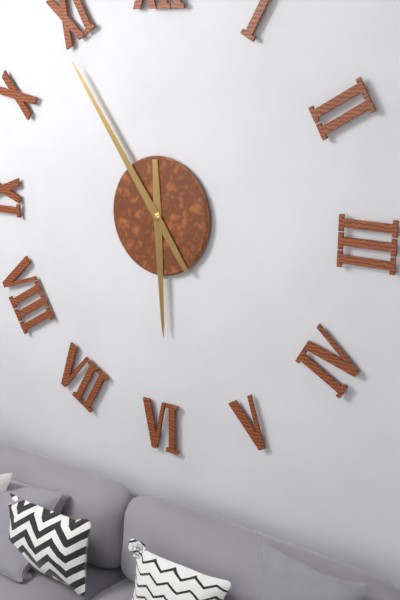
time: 5:54
